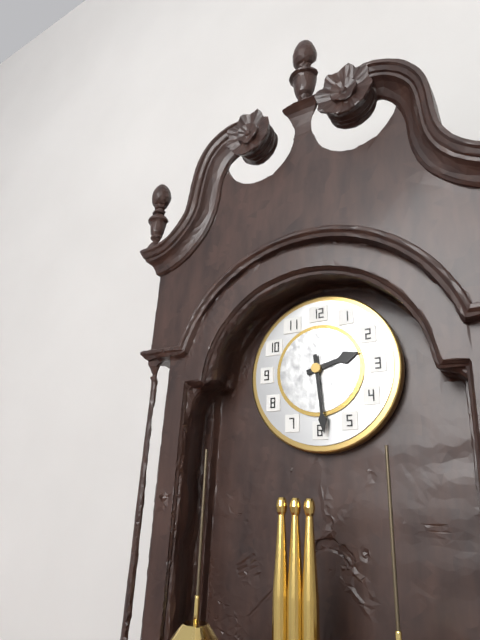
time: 2:29
